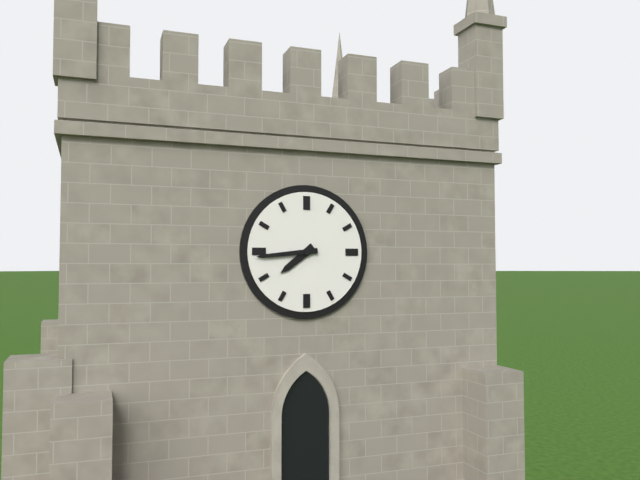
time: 7:44
